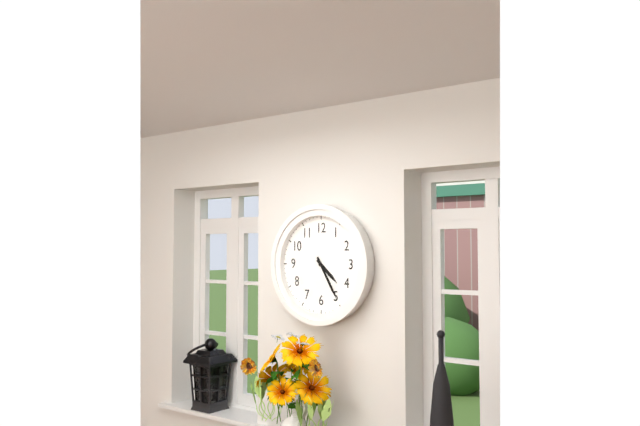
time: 4:25
